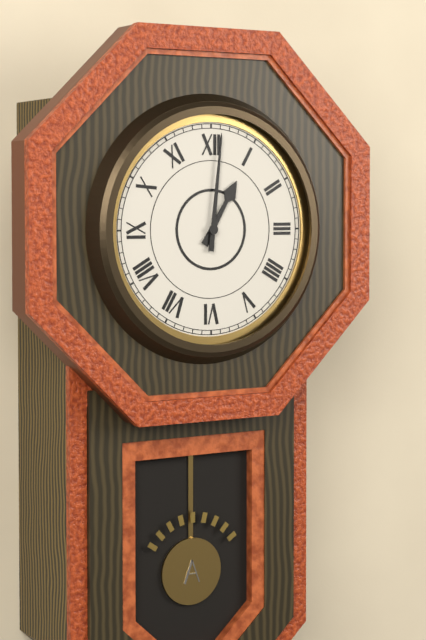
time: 1:01
